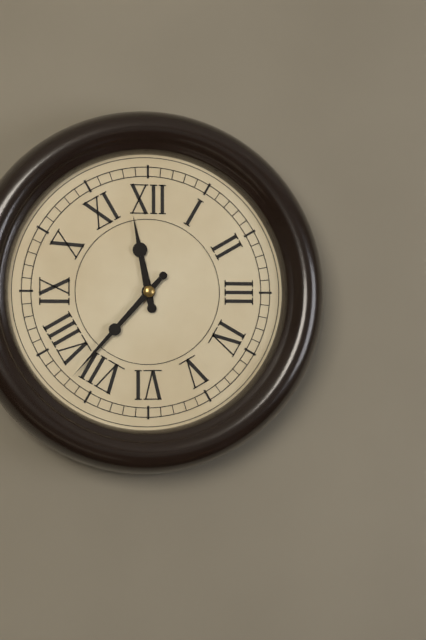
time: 11:37
